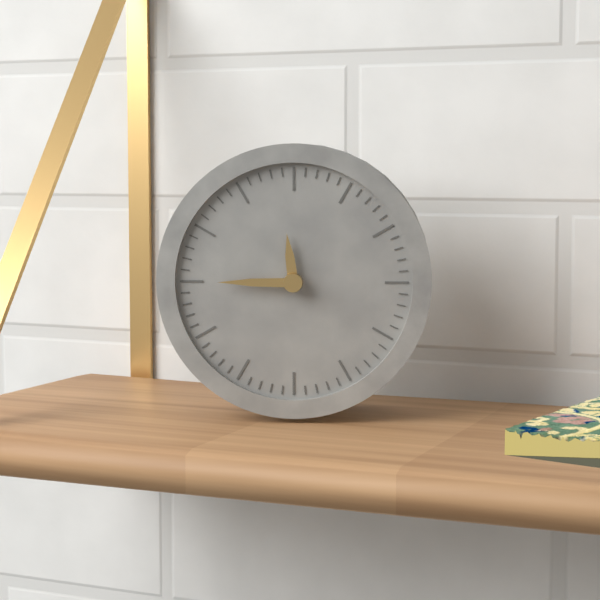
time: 11:45
